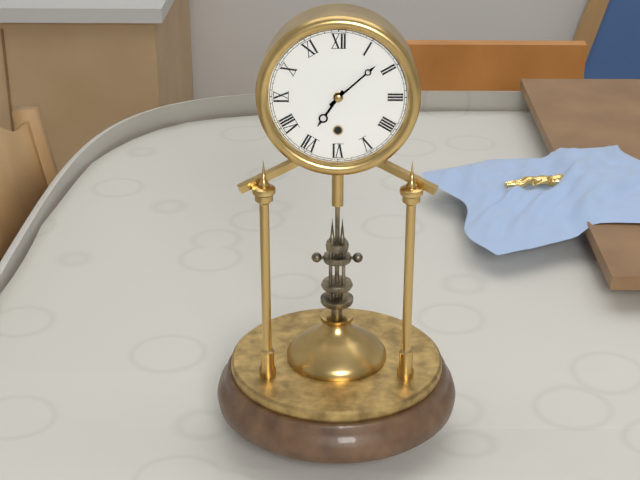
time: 7:08
